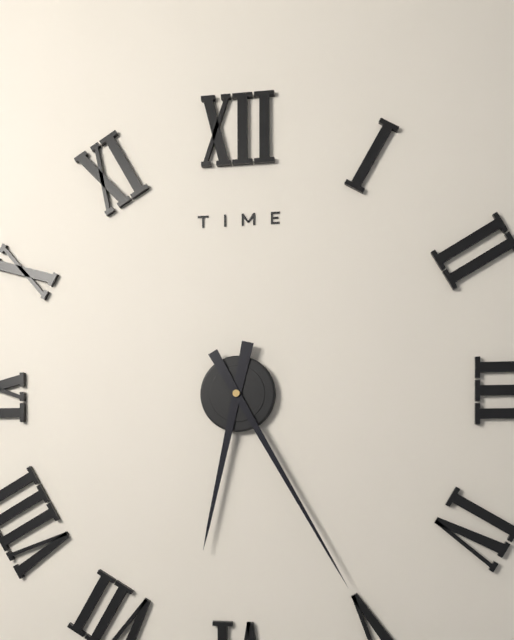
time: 6:25
